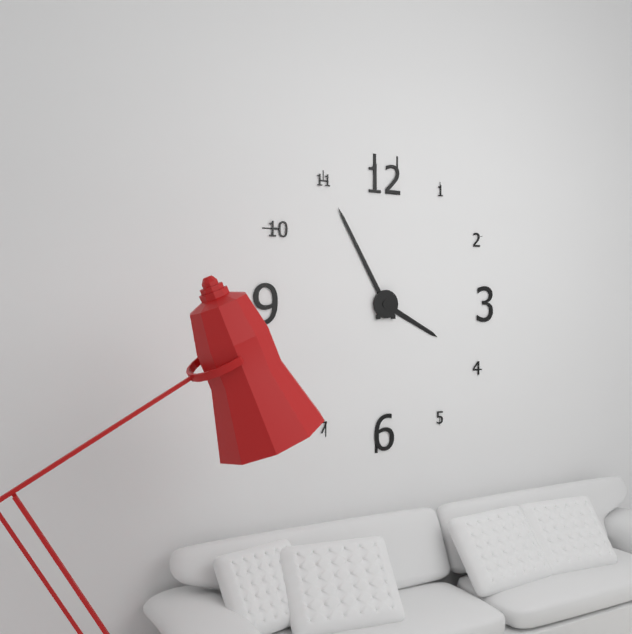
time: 3:55
